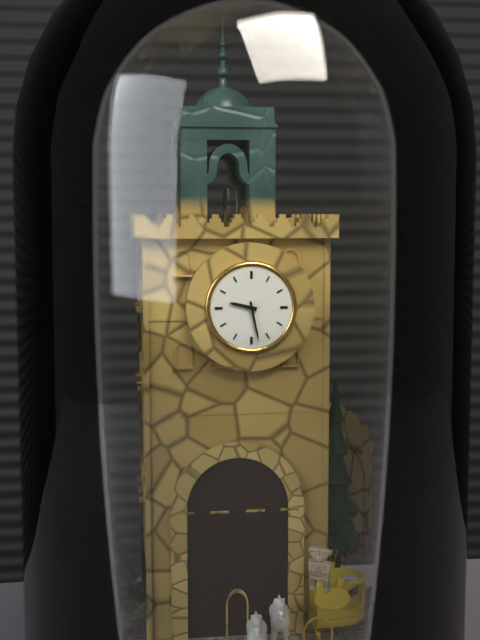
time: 9:28
